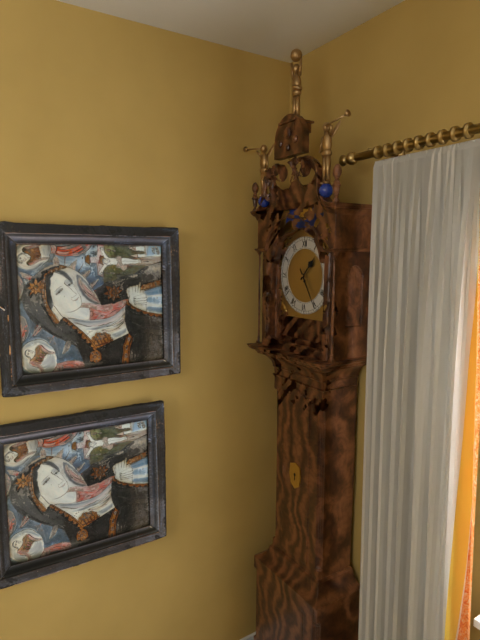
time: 1:25
